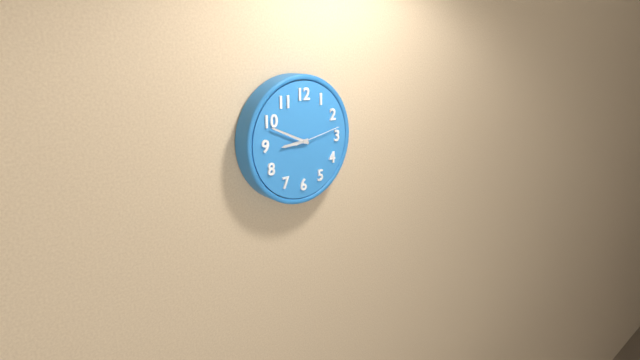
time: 8:49
